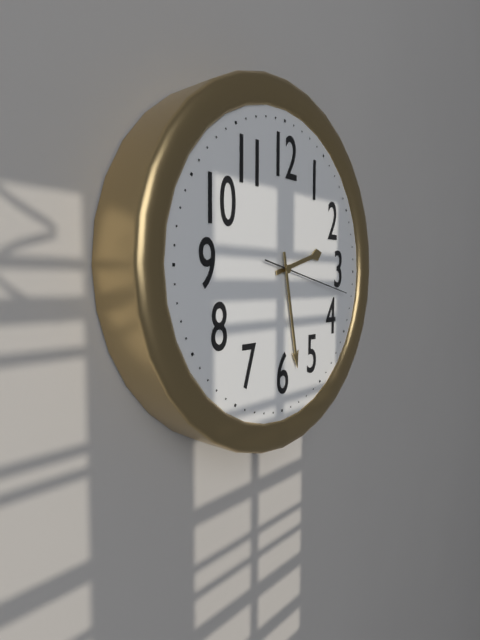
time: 2:28:17
